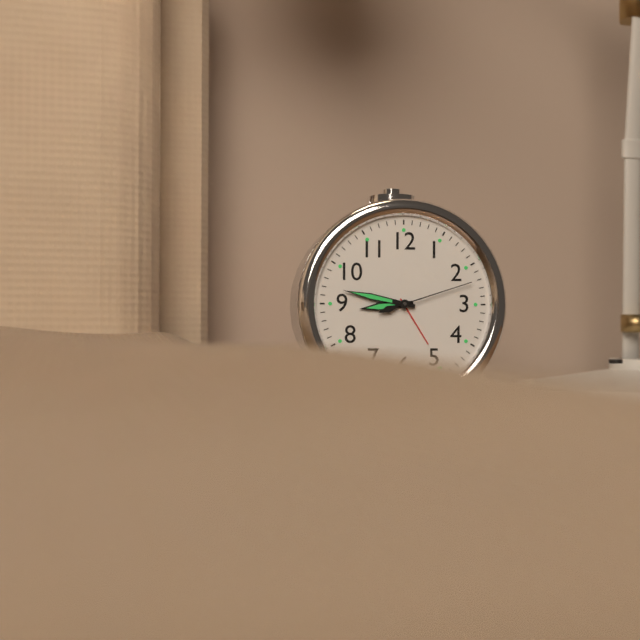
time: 8:47:12
